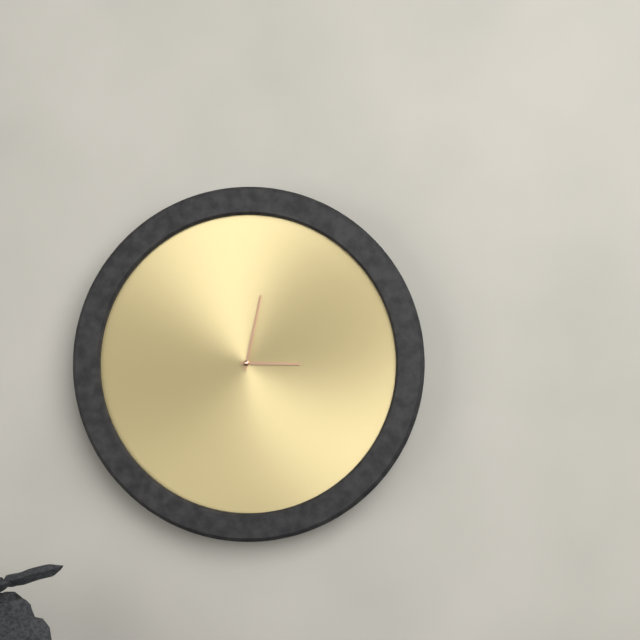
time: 3:02
